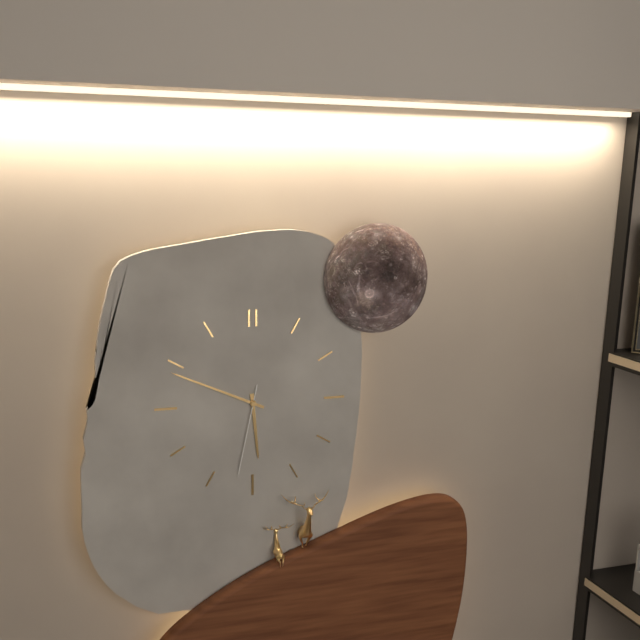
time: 5:49:32
